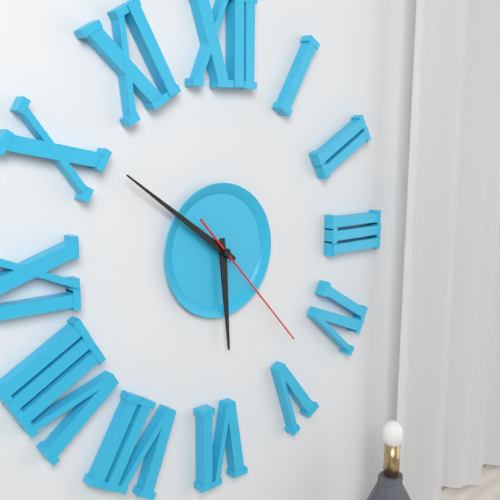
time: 5:51:23
